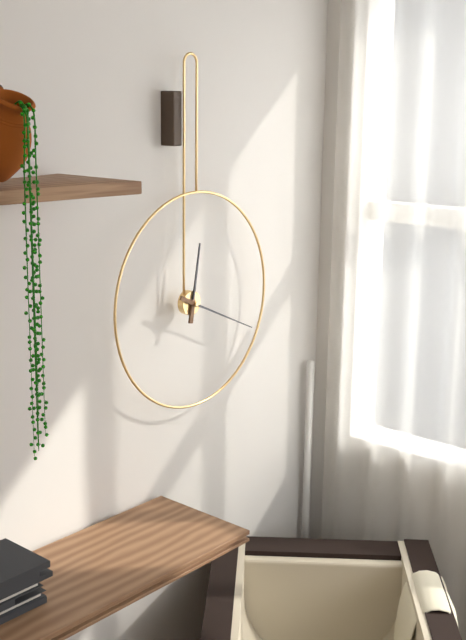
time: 12:19
